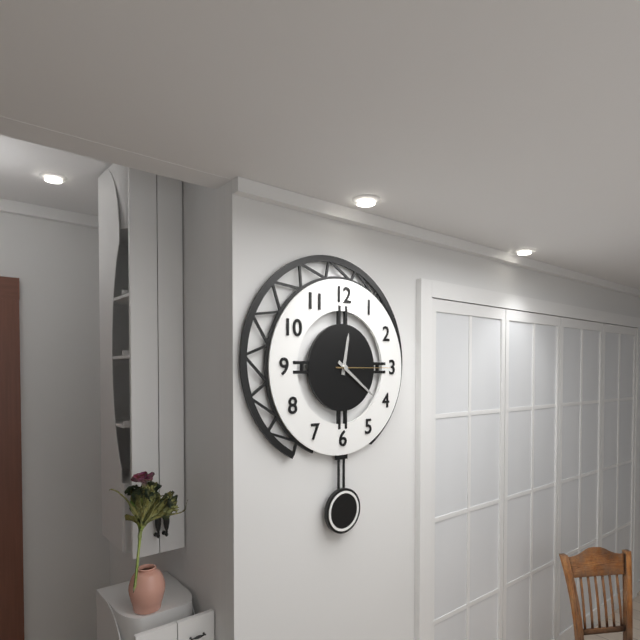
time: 12:21:15
